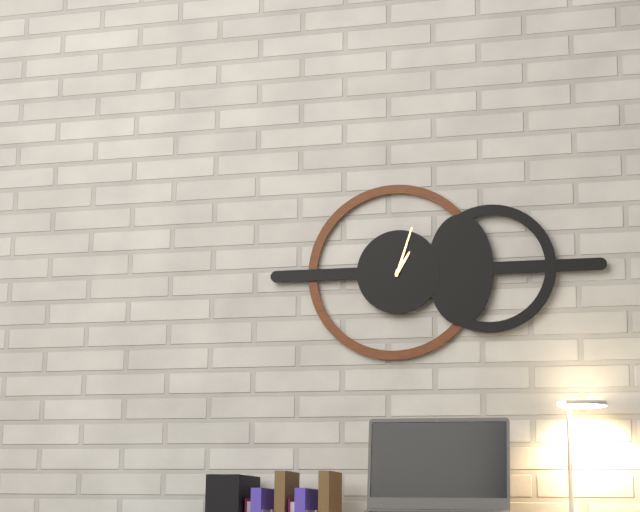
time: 1:03
